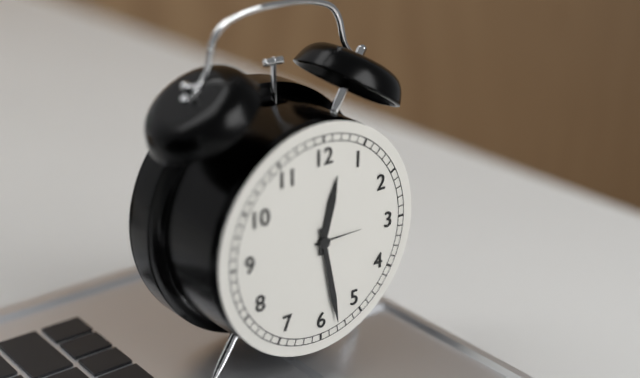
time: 12:28
